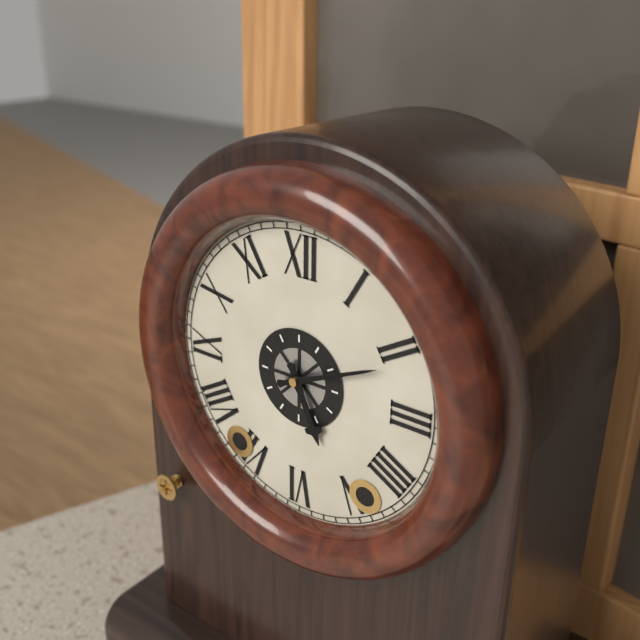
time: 5:11
